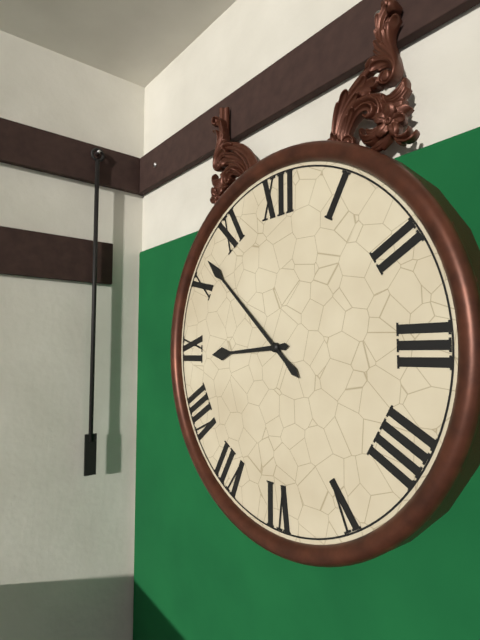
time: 8:52
